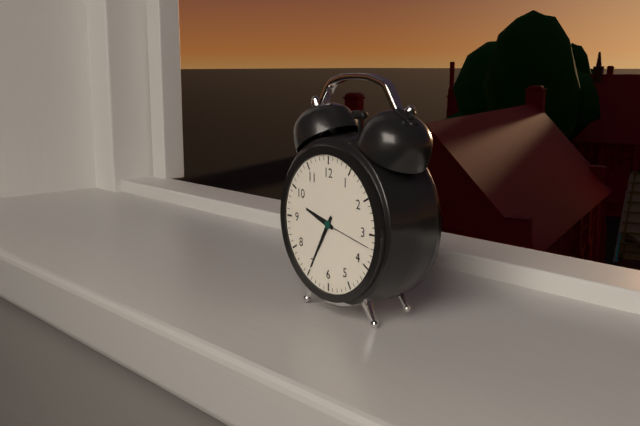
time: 9:35:17
